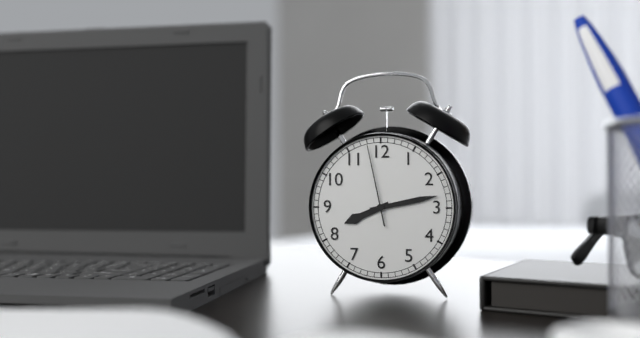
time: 8:13:58
